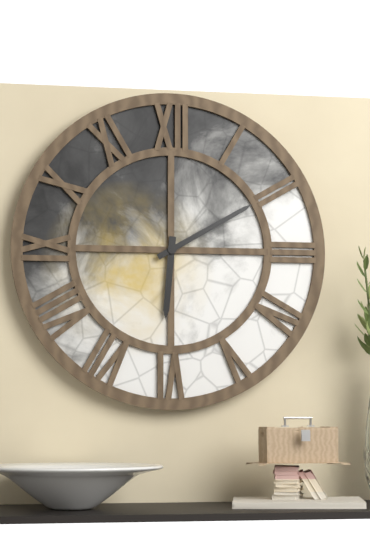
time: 6:10
